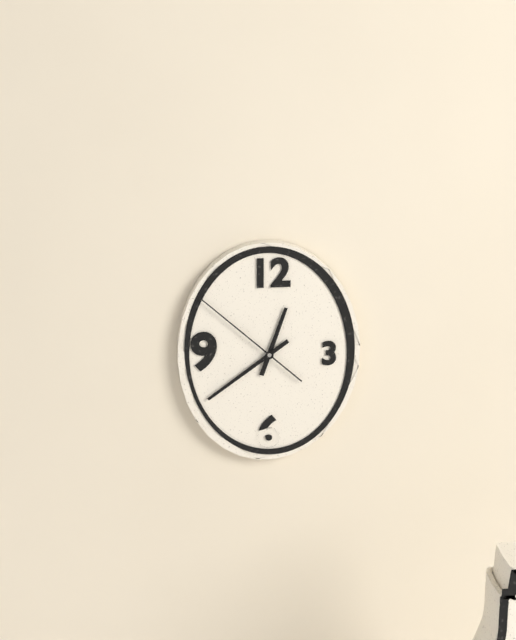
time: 12:39:52
